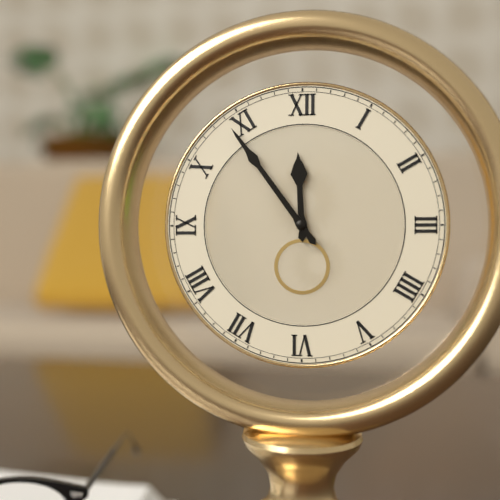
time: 11:54
